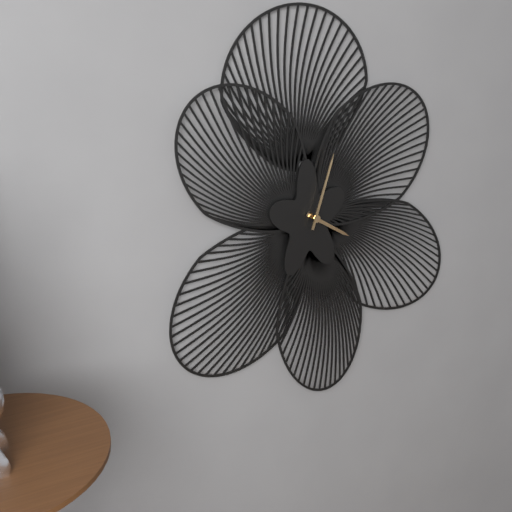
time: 4:03
